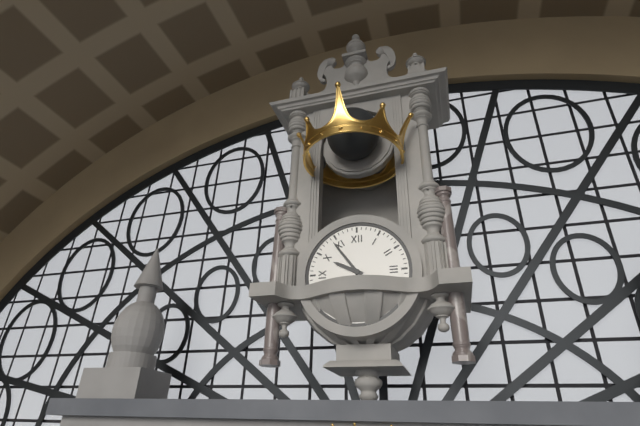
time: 9:54
